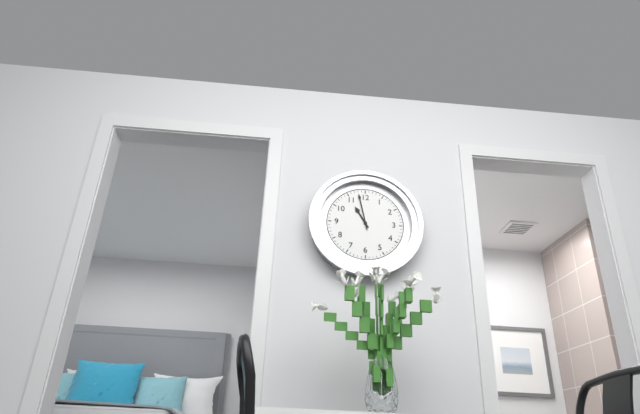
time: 10:58
